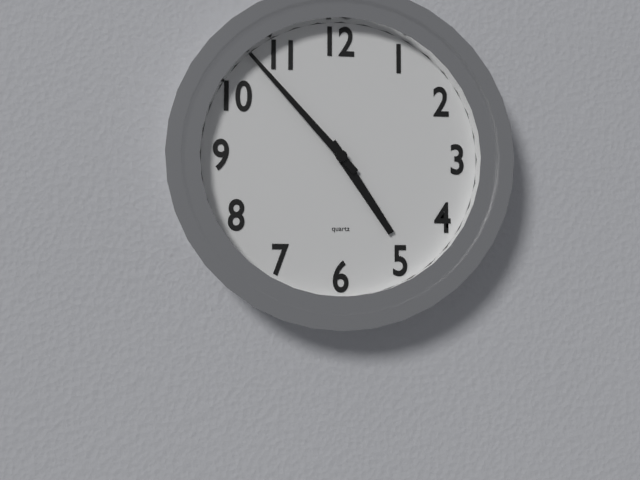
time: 4:53
